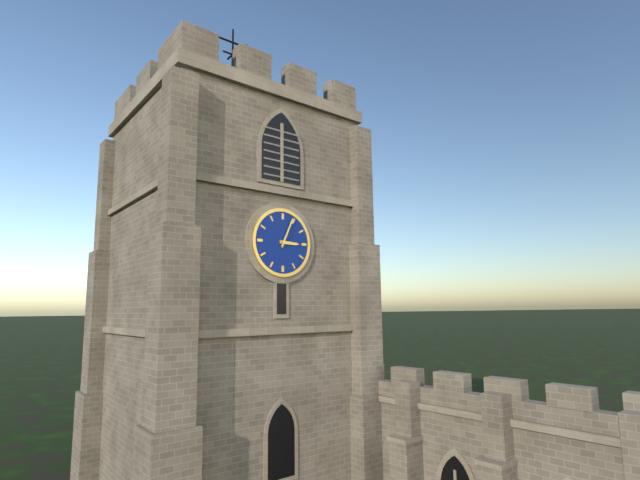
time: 3:04
